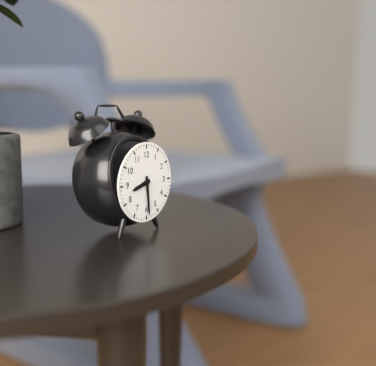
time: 8:29
